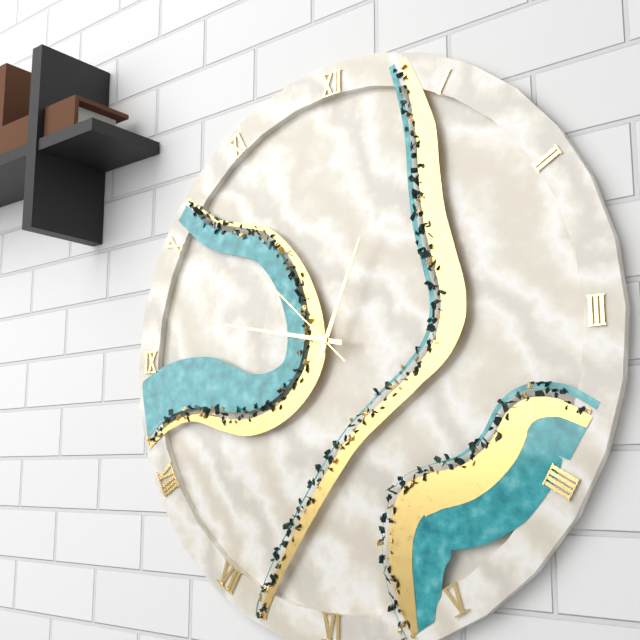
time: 12:47:52
